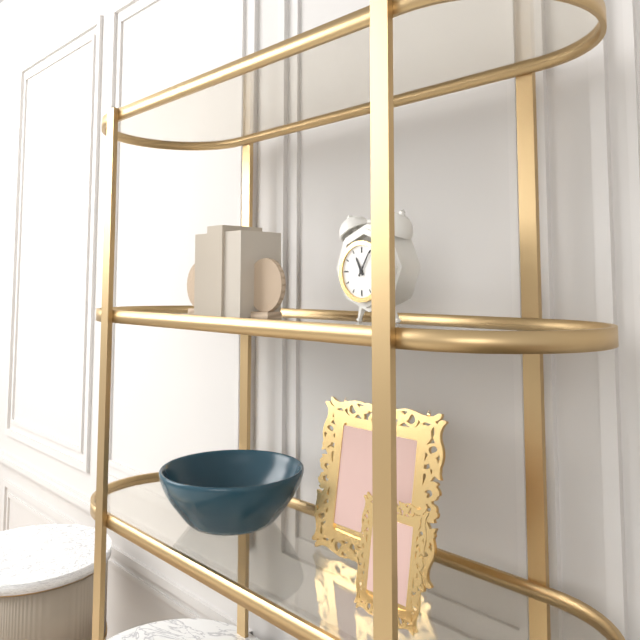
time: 11:05
